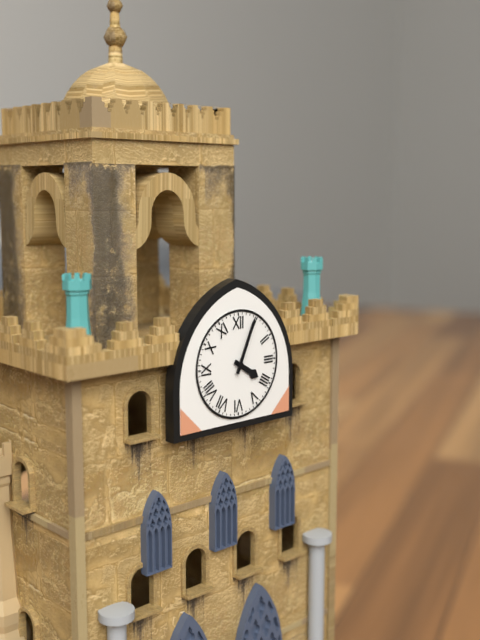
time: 4:04
